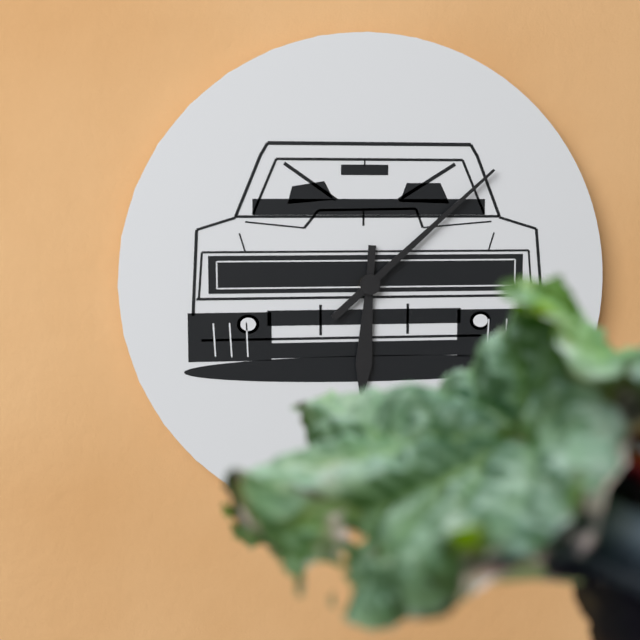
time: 6:08
